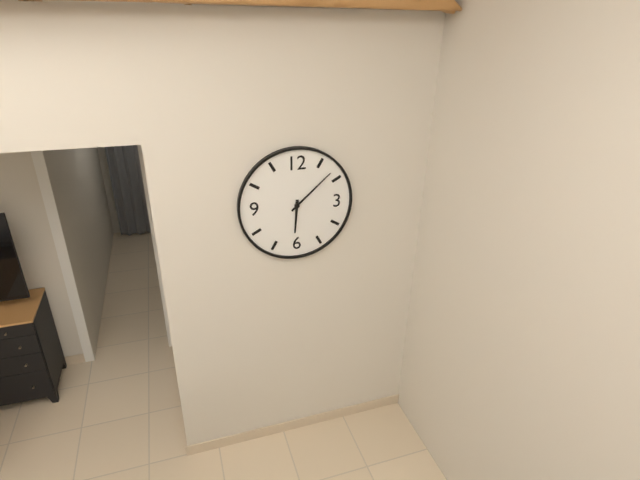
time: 6:08
